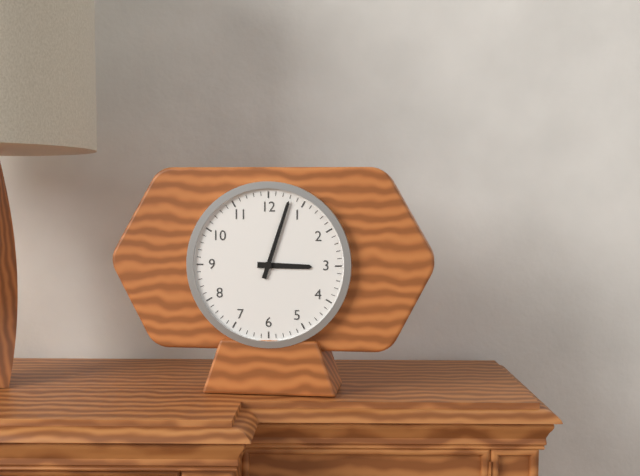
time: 3:03
